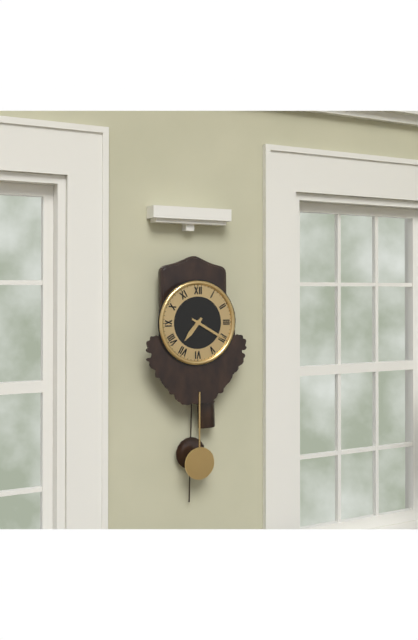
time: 7:20
